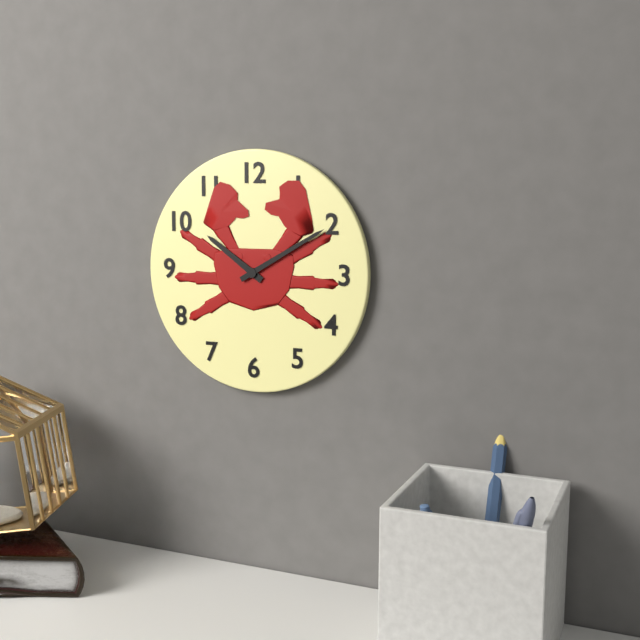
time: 10:10
